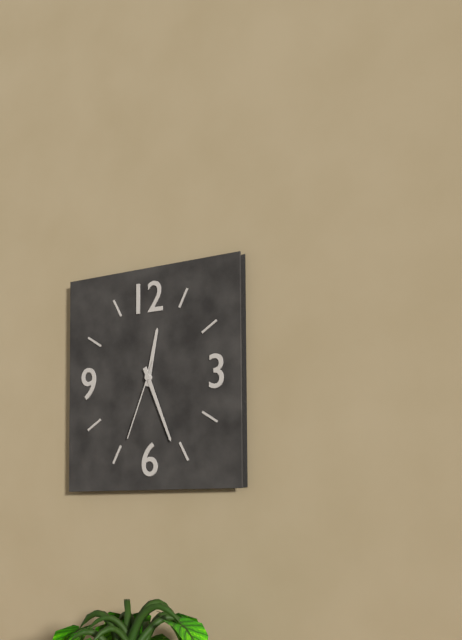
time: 12:26:34
